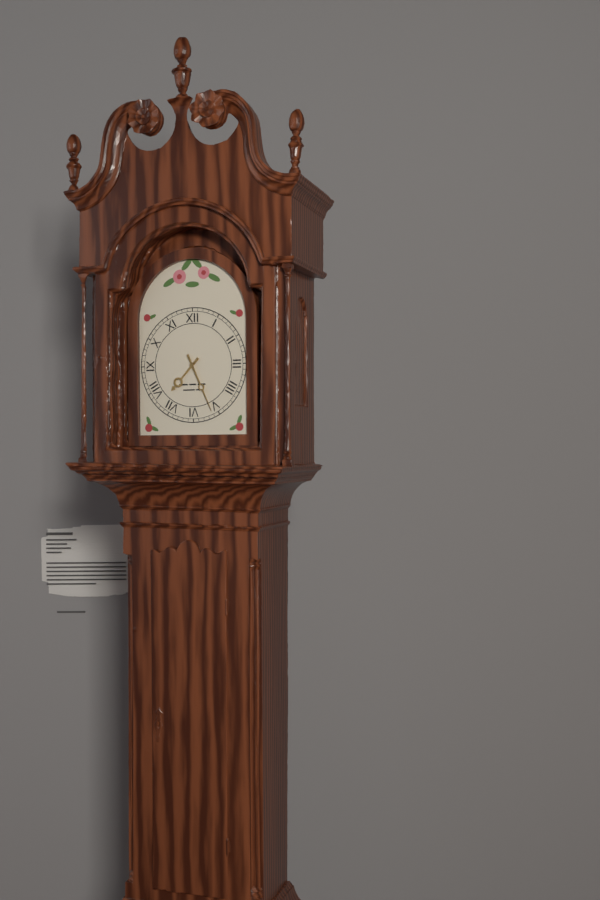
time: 7:26
